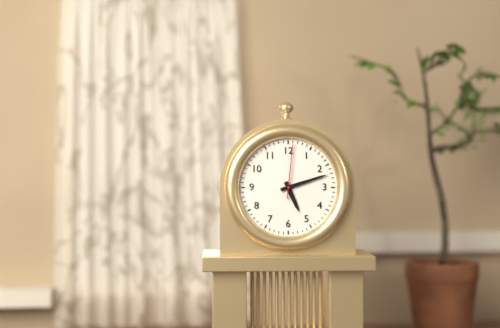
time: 5:12:01
